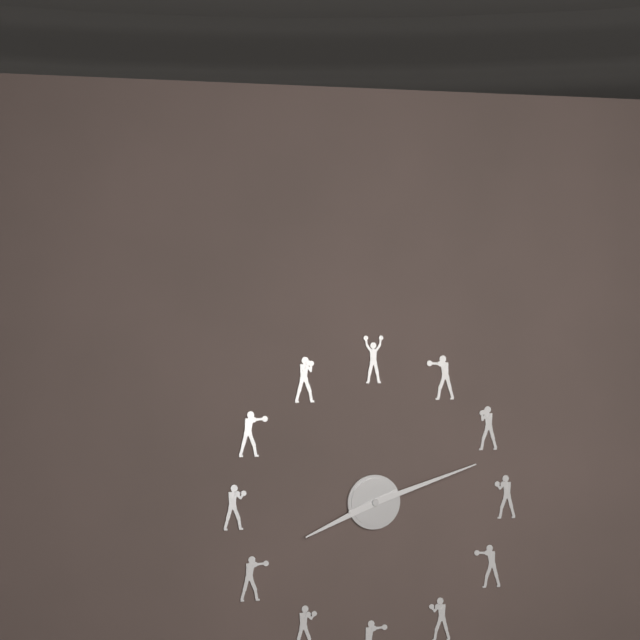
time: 8:12
